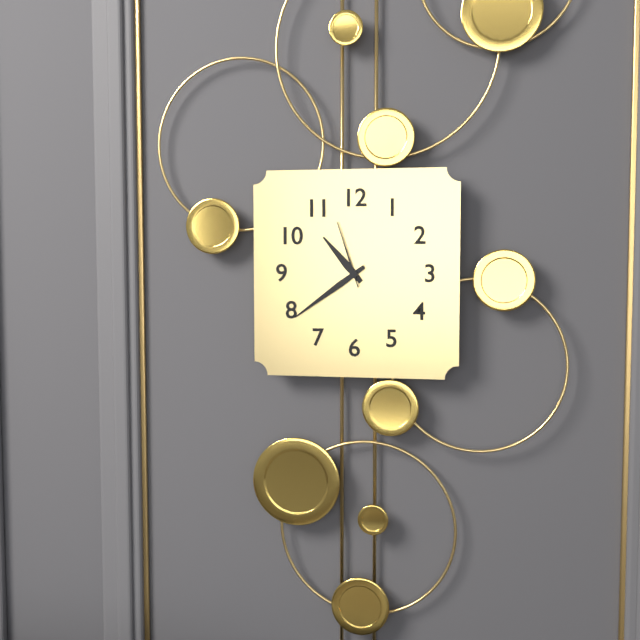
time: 10:39:57
